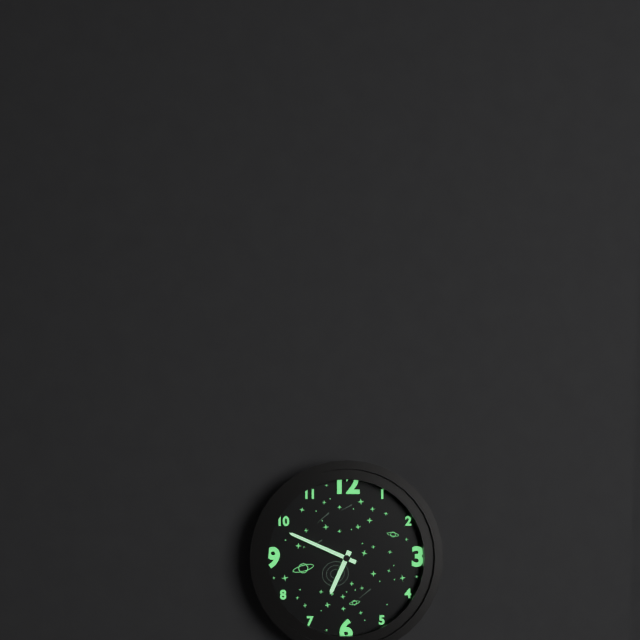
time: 6:49
